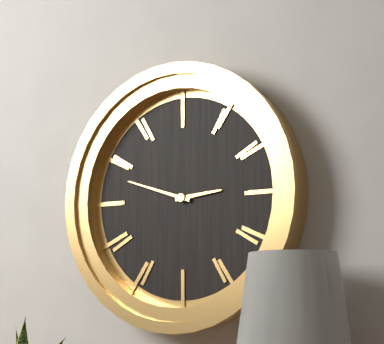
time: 2:48
